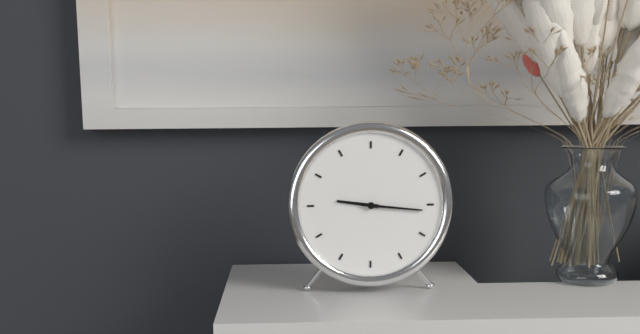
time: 9:16
